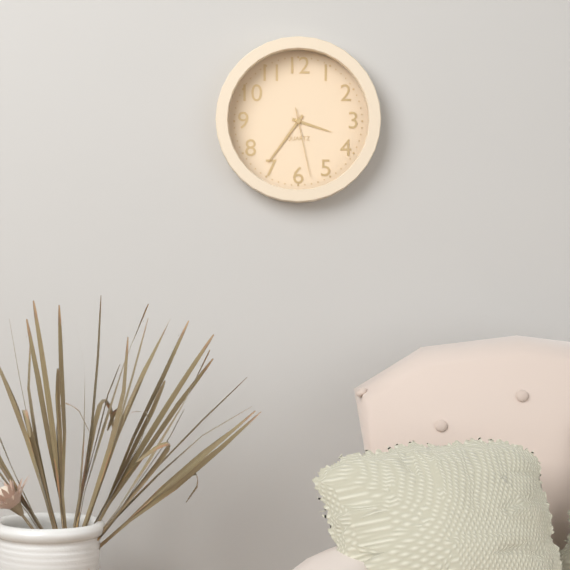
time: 3:36:28
